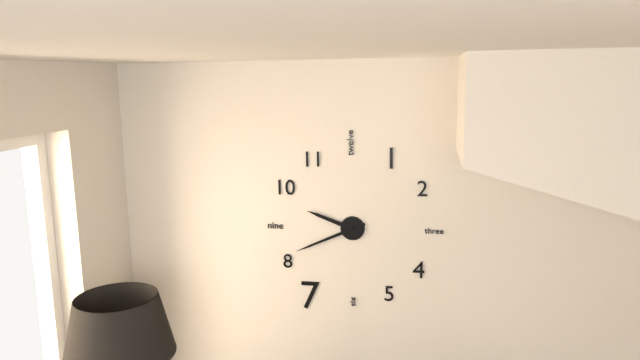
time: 9:41
